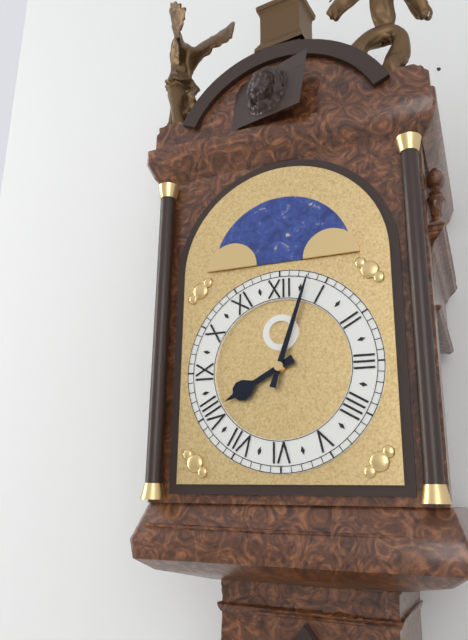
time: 8:03
